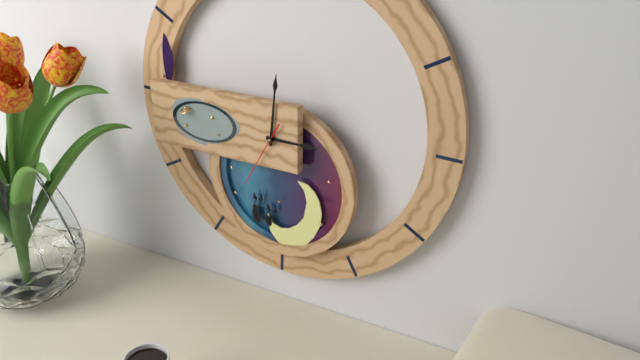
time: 3:01:35
